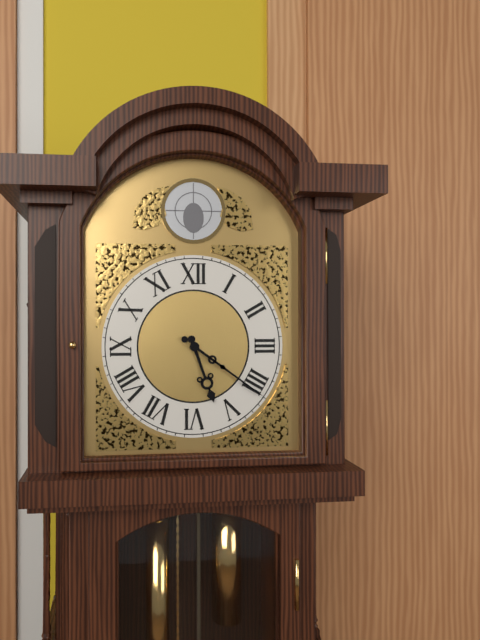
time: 5:21
